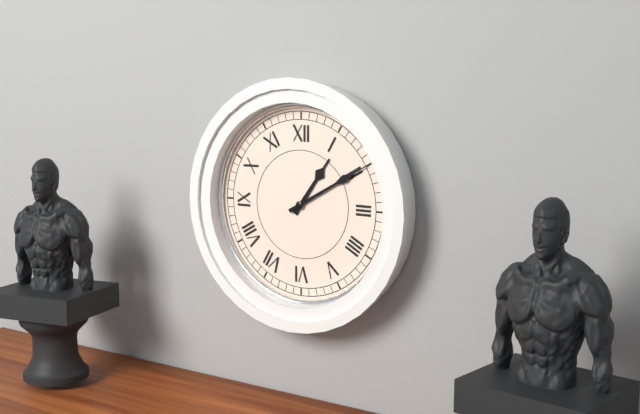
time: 1:10
